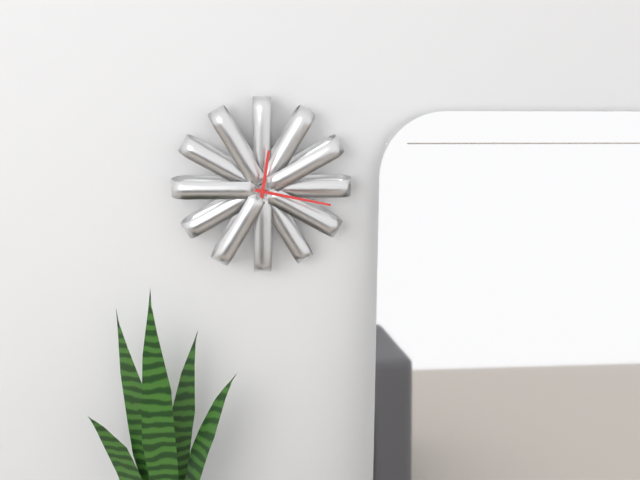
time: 12:17
